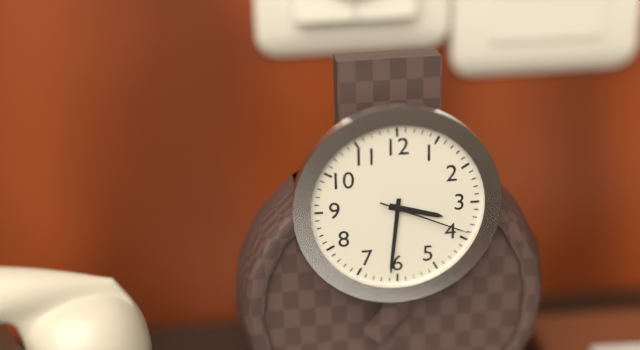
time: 3:31:19
